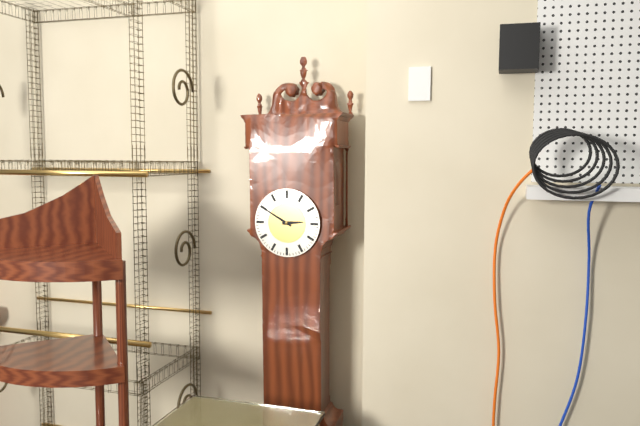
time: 2:50
